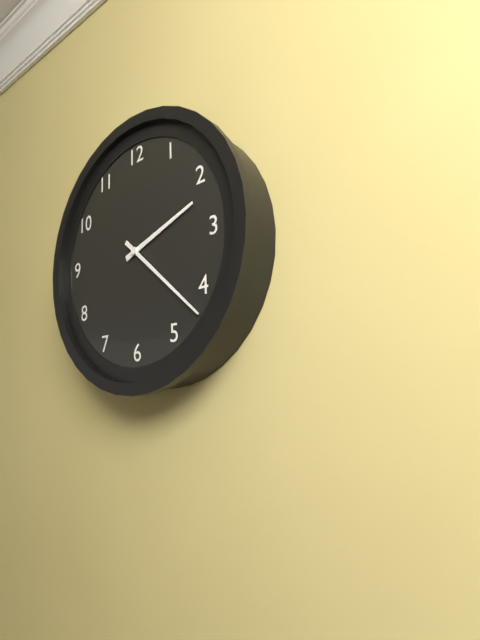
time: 2:22
